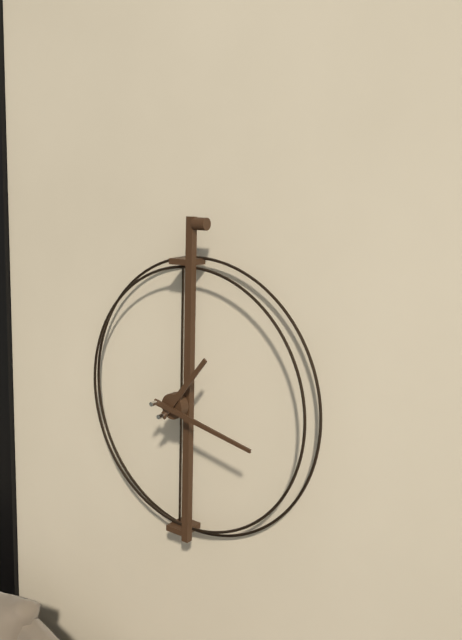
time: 1:17
